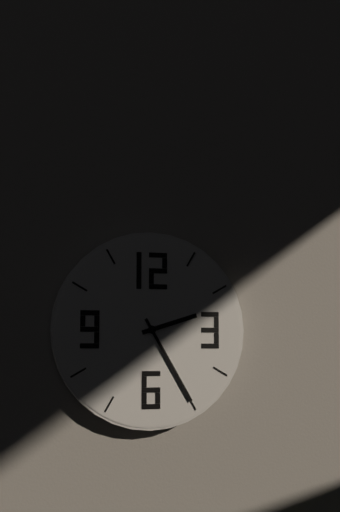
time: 2:25
